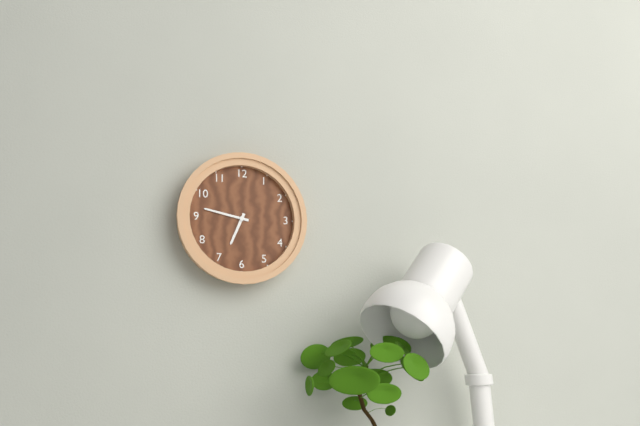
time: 6:47
